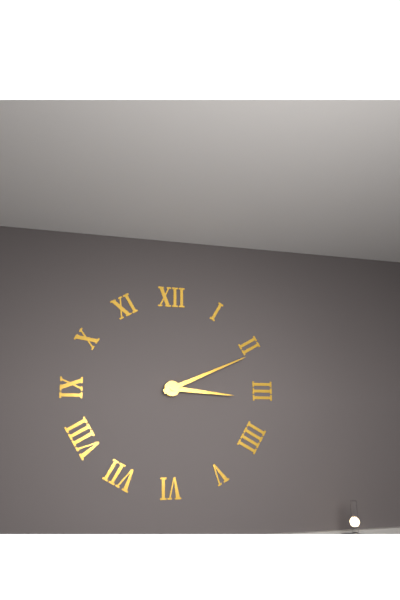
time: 3:11
